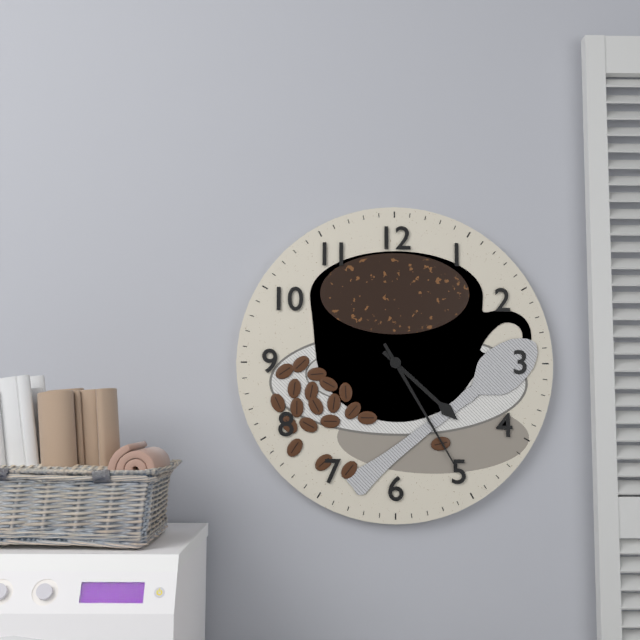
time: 4:25
